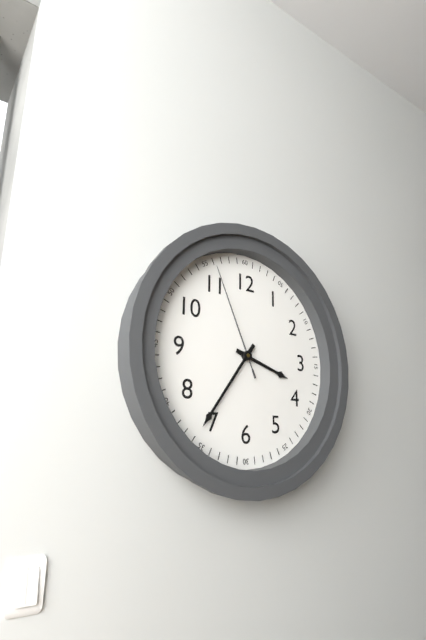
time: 3:36:56
